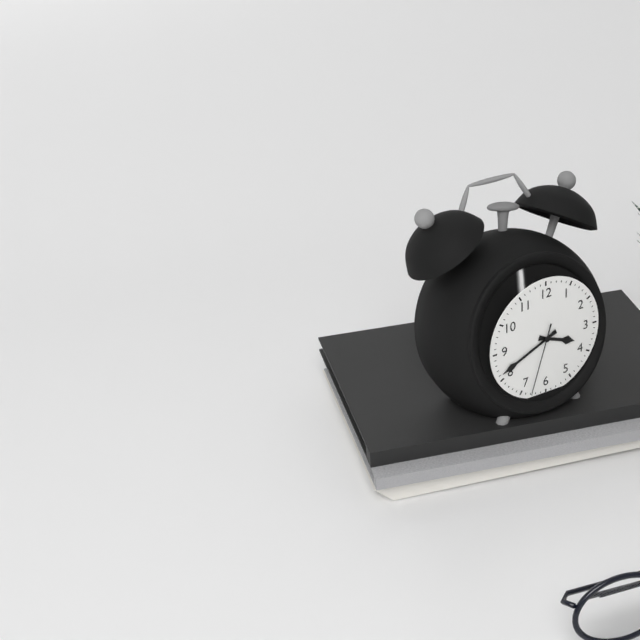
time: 3:41:33
